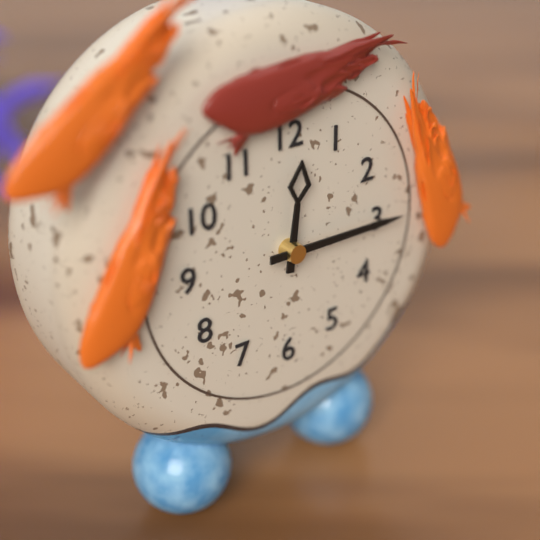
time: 12:15
